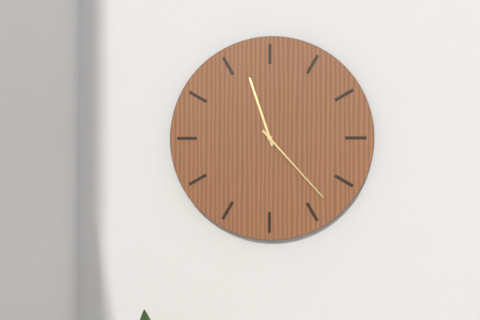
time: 11:23
